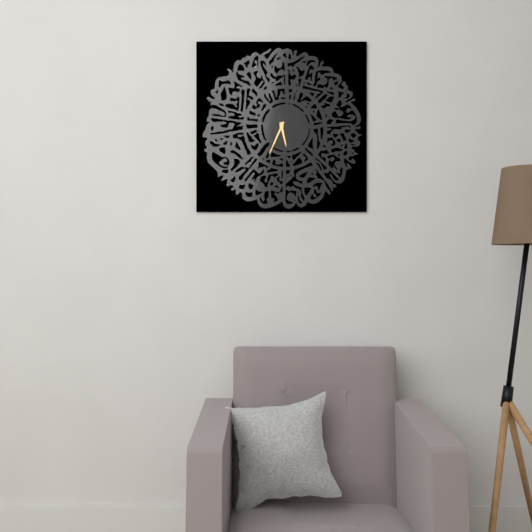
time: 5:34
